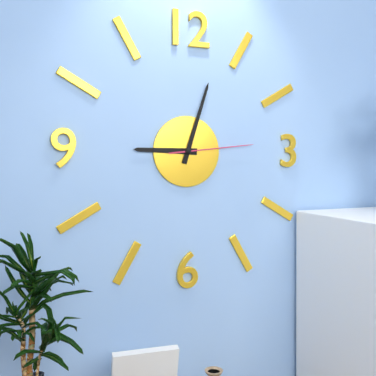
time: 9:03:14
